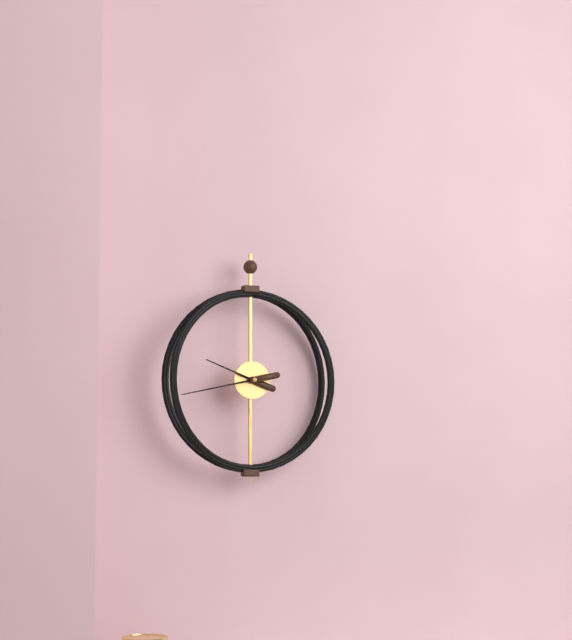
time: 9:43
